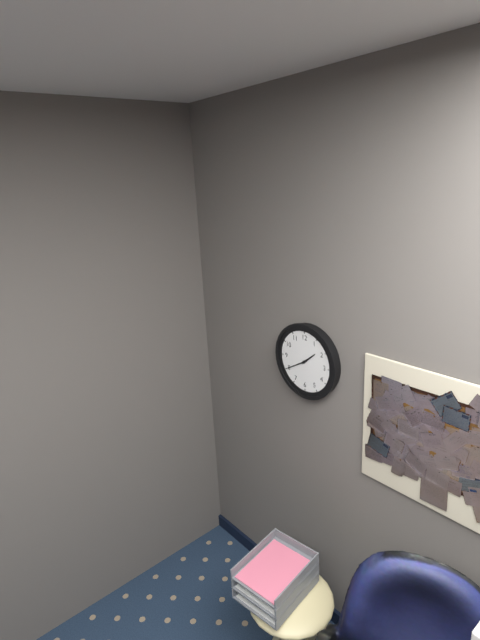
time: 1:40
